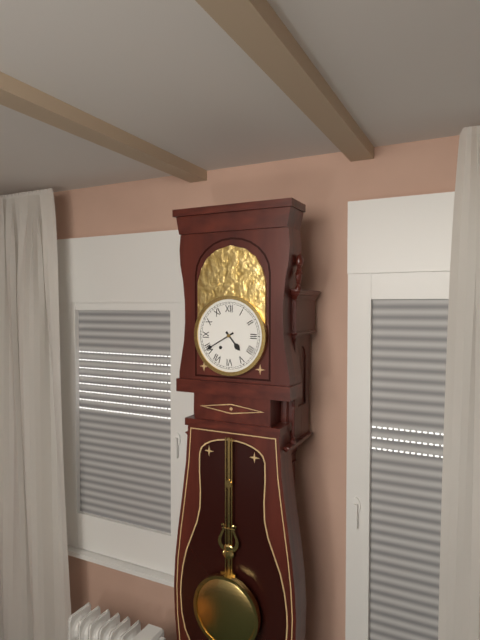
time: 4:40
